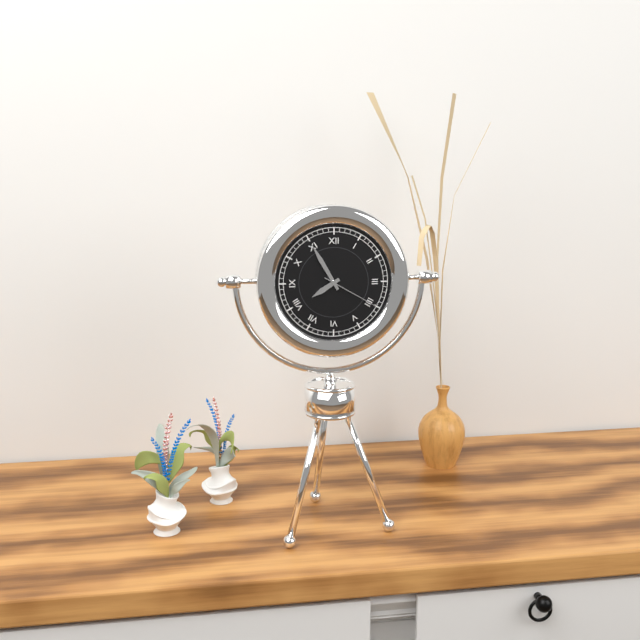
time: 7:55:20
